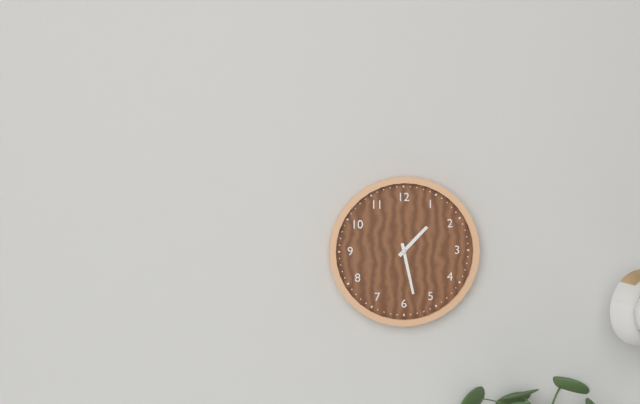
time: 1:28
